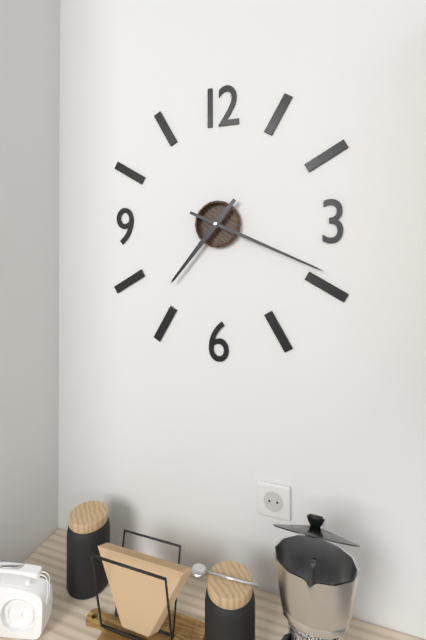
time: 7:19
